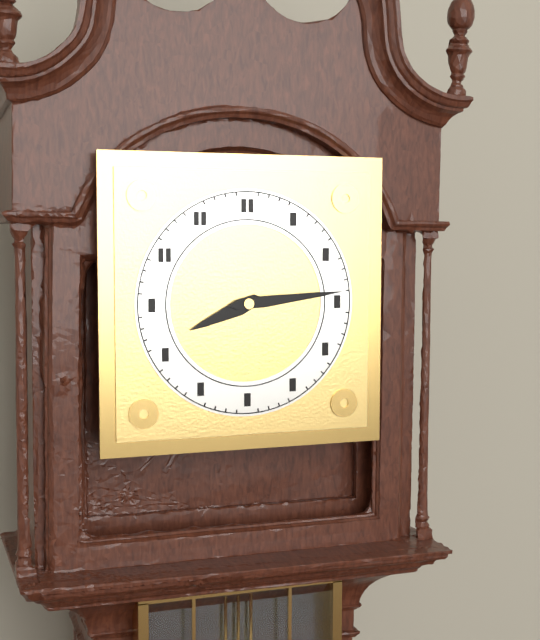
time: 8:14
